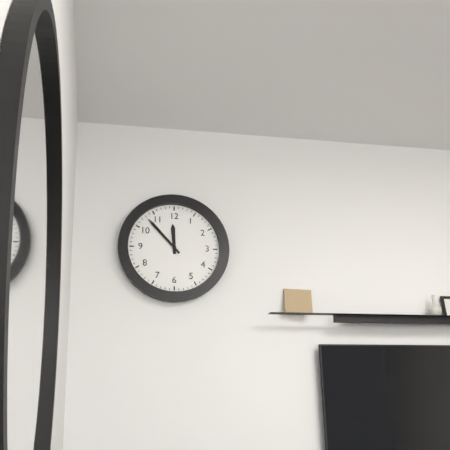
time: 11:53
